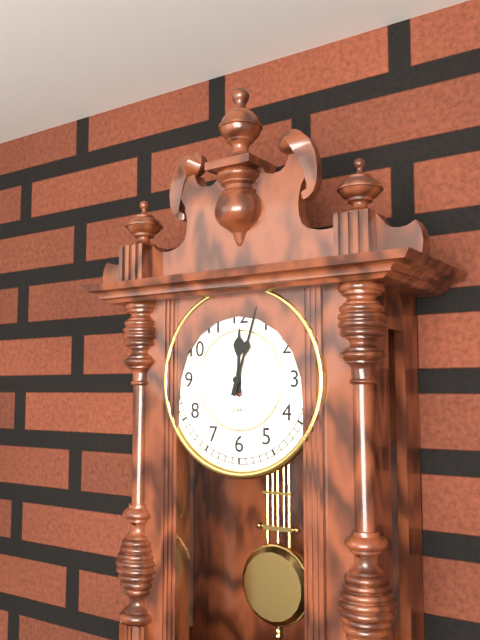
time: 12:03
